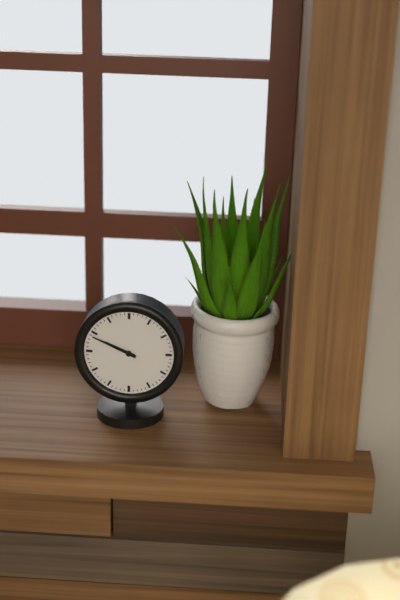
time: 9:49
